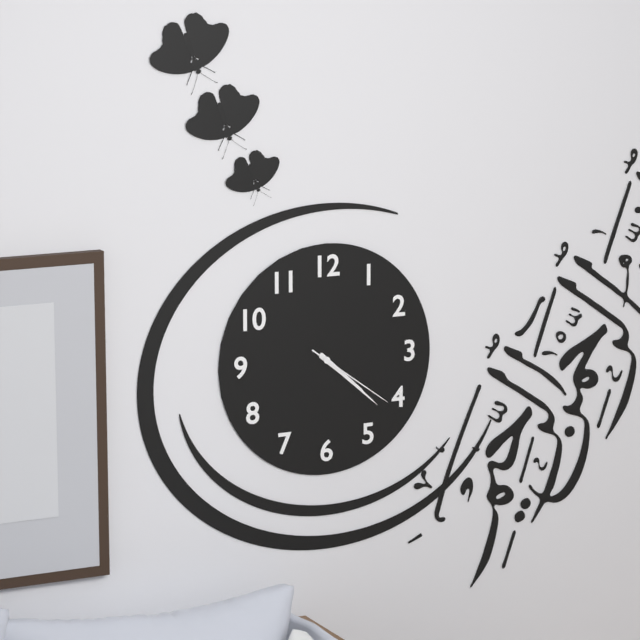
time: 4:22:21
